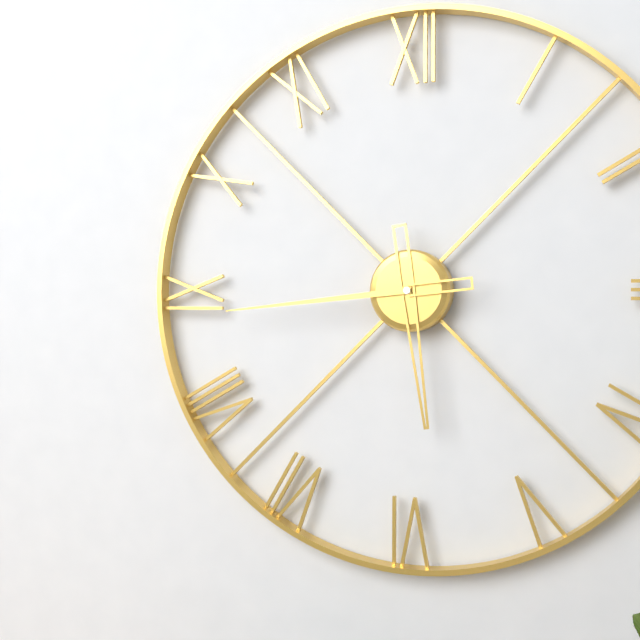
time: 5:44
